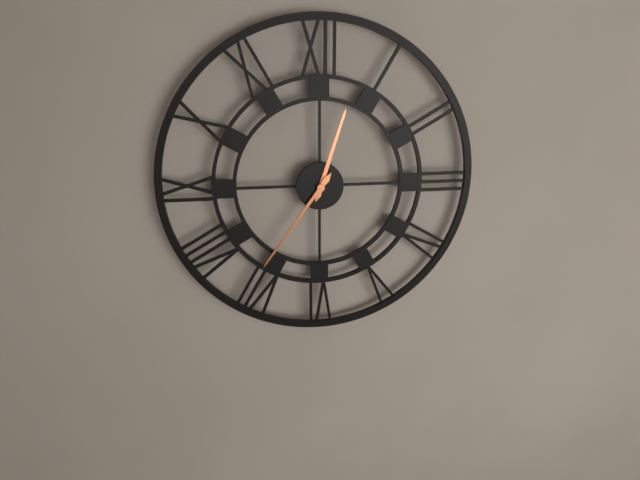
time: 12:36
